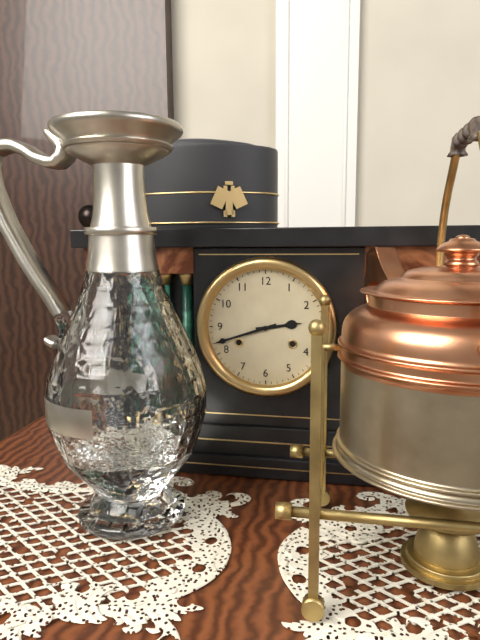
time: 2:42
